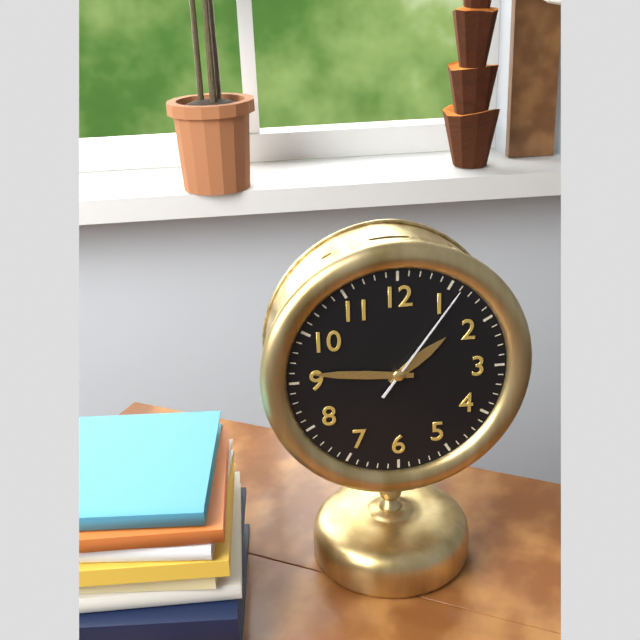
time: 1:46:06
